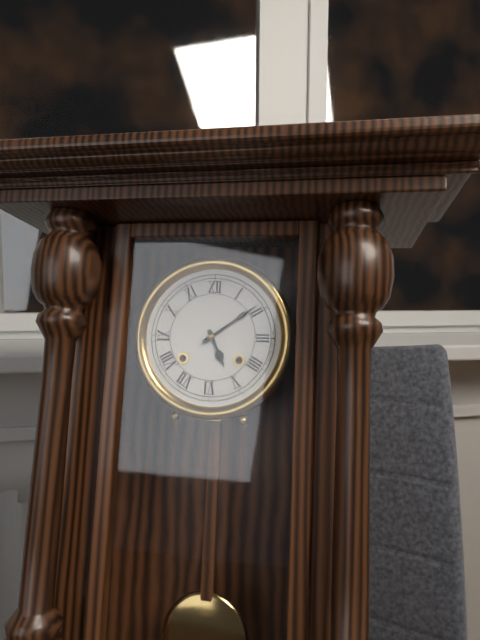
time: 5:09
